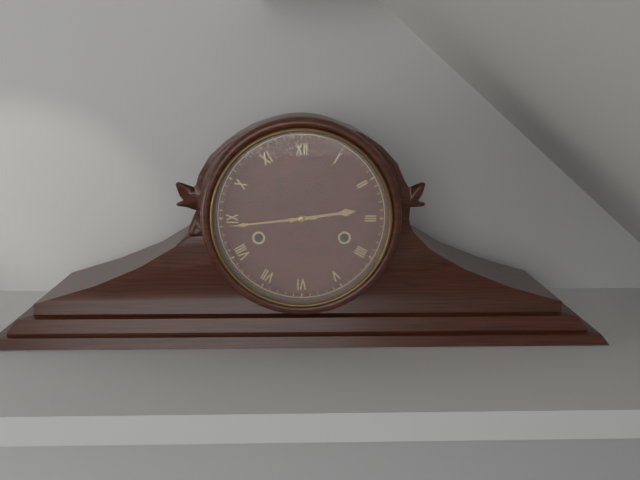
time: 2:44
